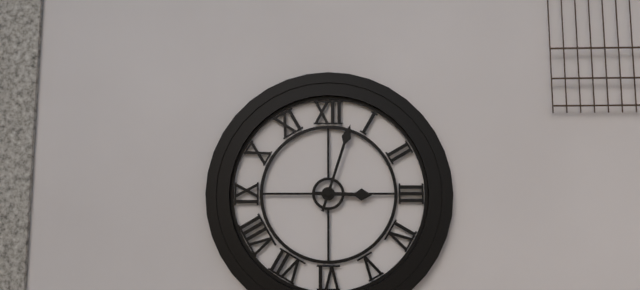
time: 3:03
